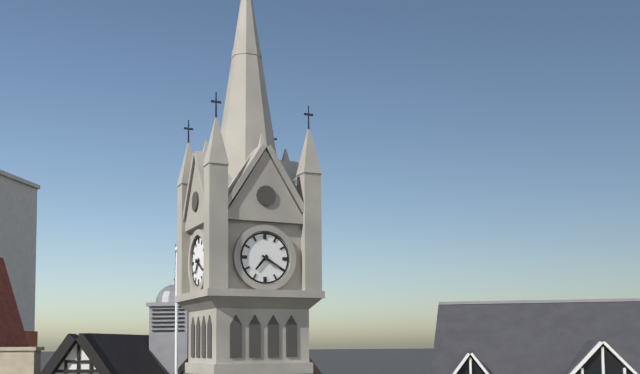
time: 7:20
